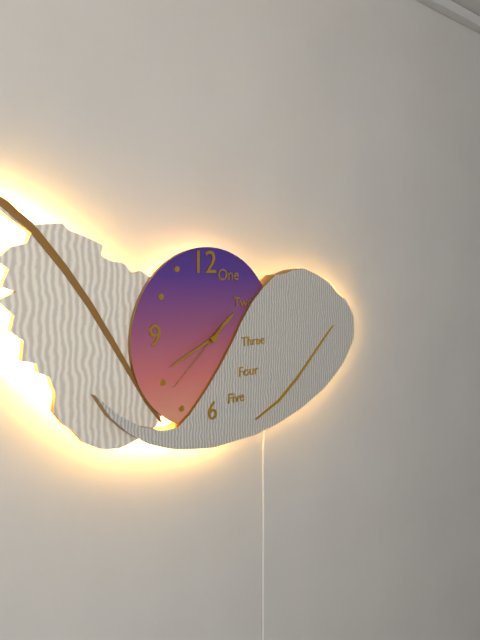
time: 1:41:38
